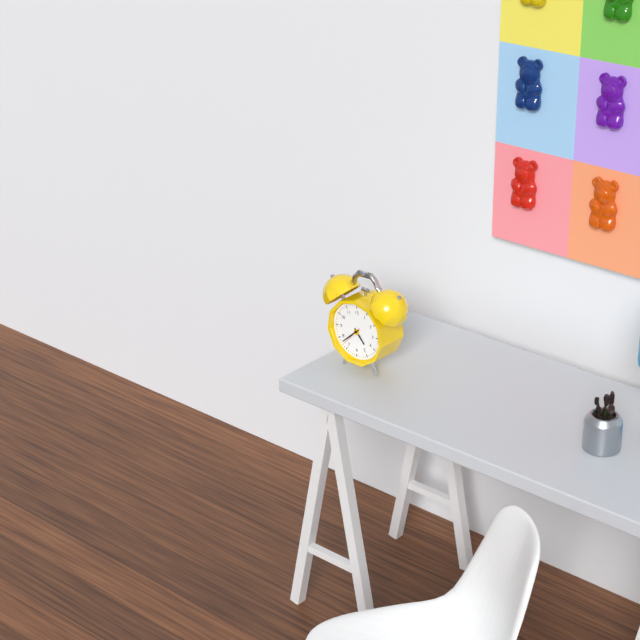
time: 4:38
